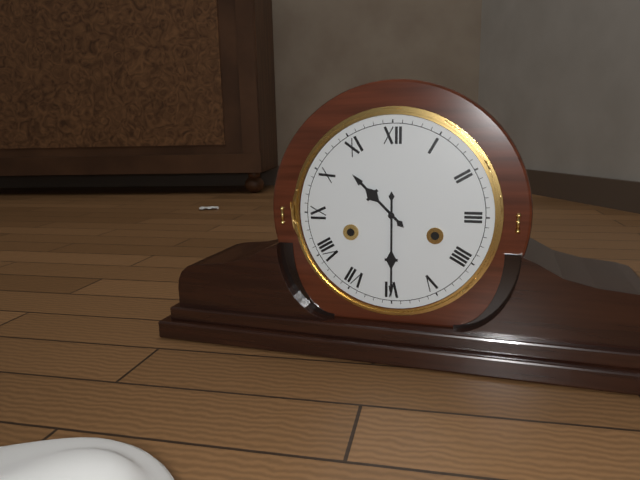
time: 10:30
